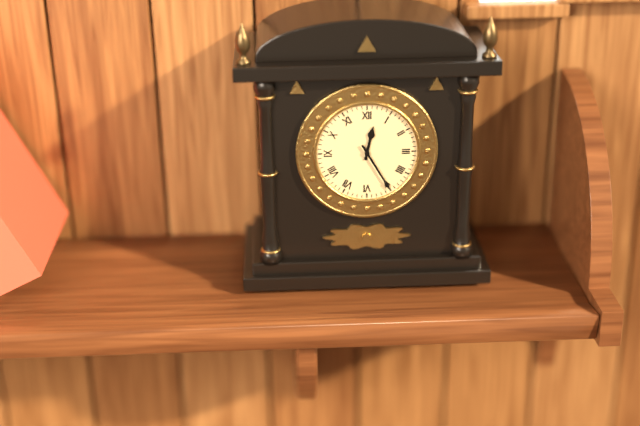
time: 12:25
